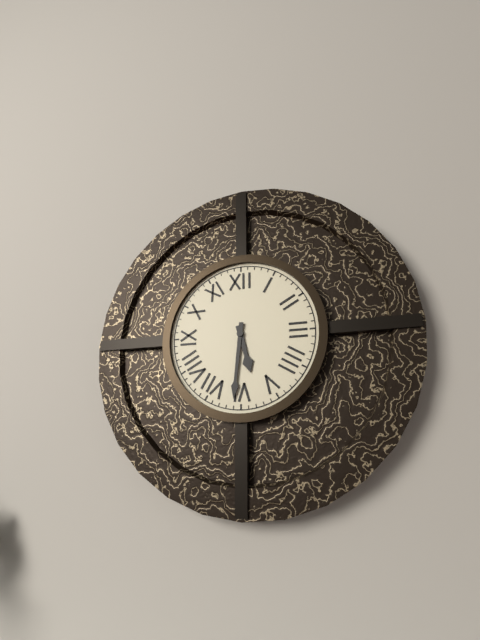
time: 5:31
